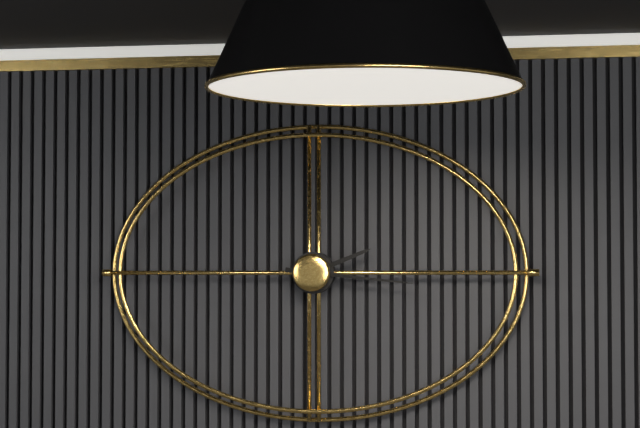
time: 2:16
